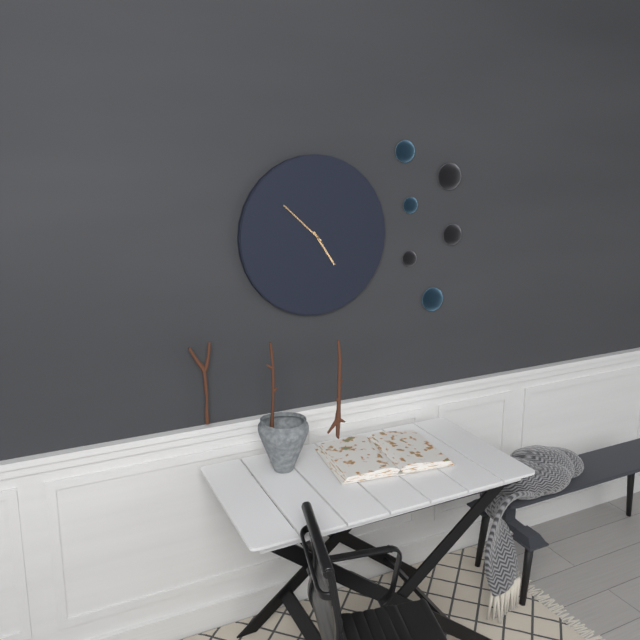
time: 4:52
